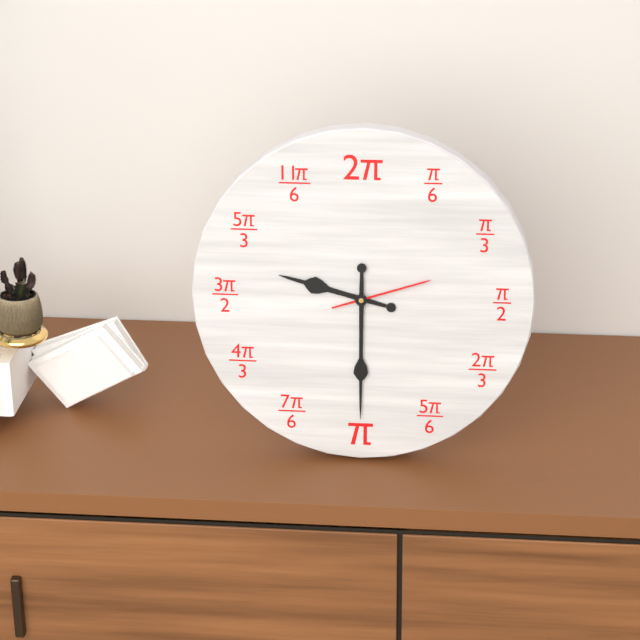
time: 9:30:12
